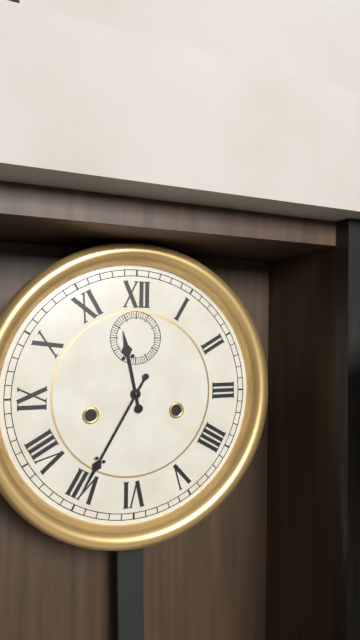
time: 11:35
